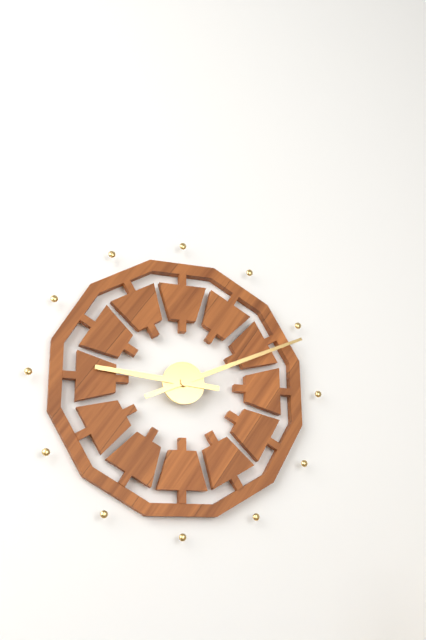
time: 9:11
